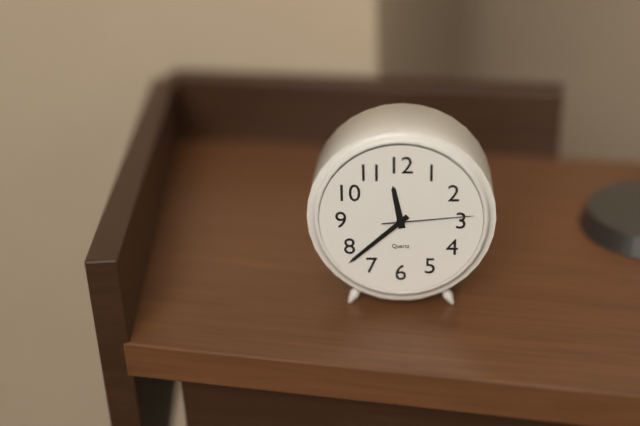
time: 11:38:14
